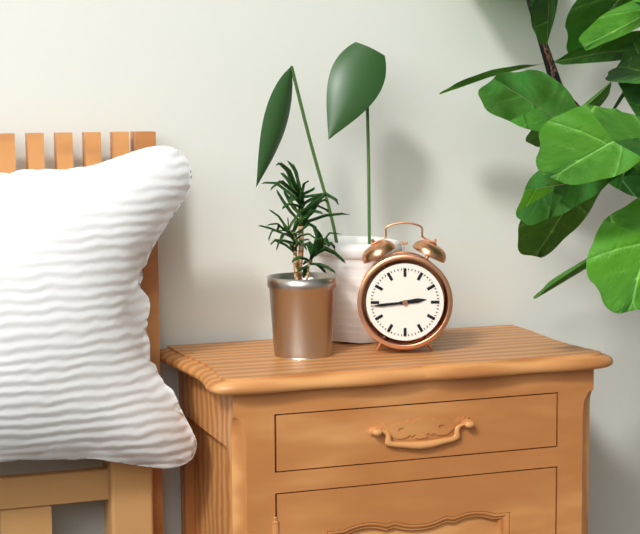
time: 2:44
